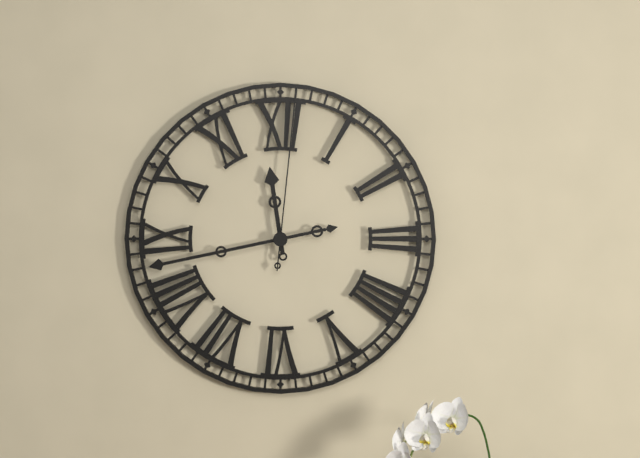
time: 11:43:01
